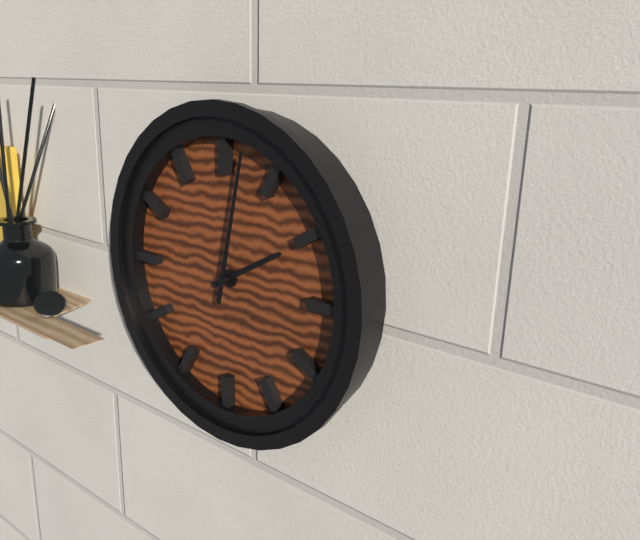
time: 2:02
